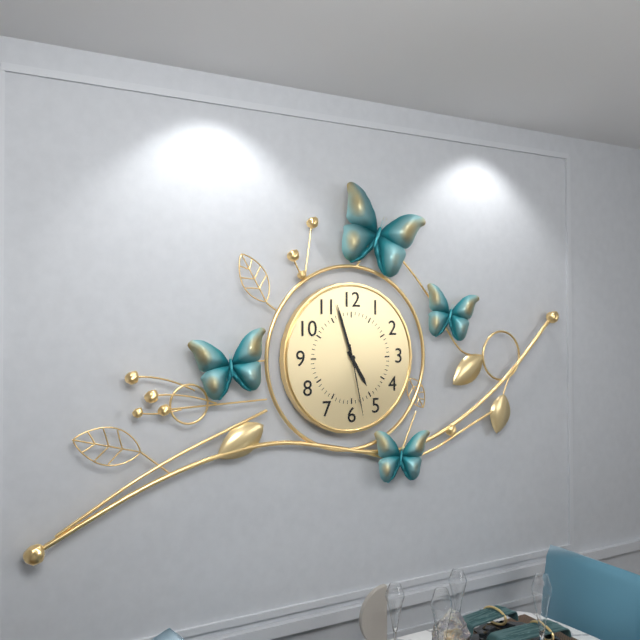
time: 4:57:28
